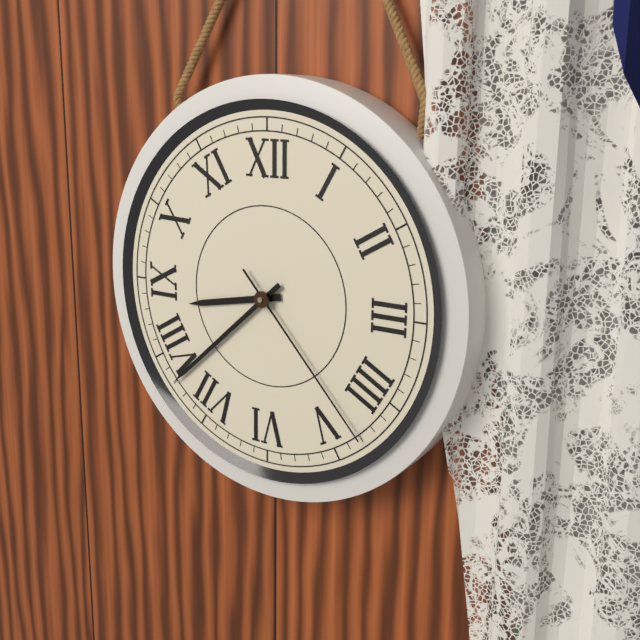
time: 8:38:23
